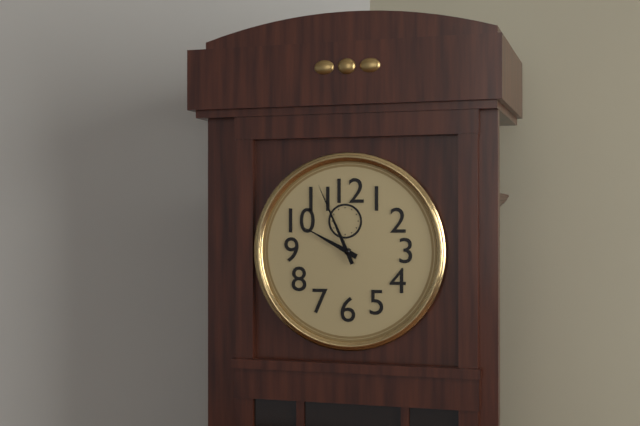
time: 9:56
